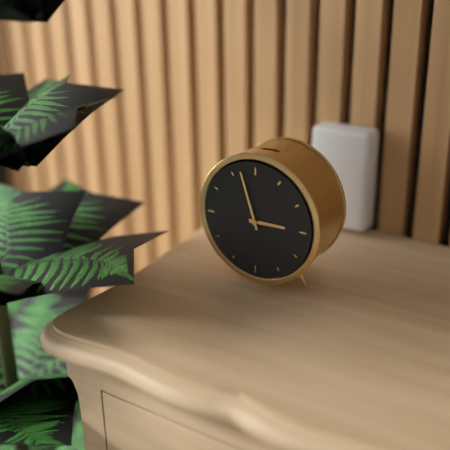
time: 2:57
